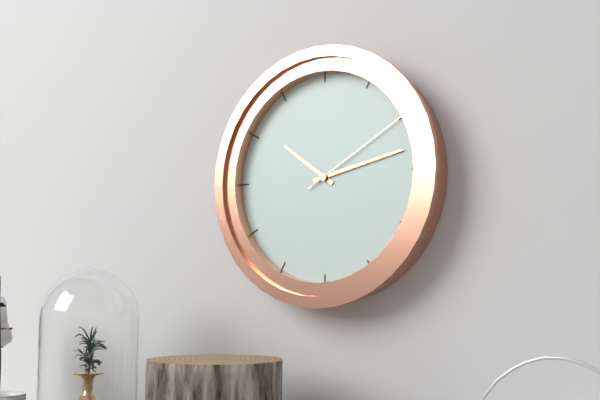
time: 10:13:10
